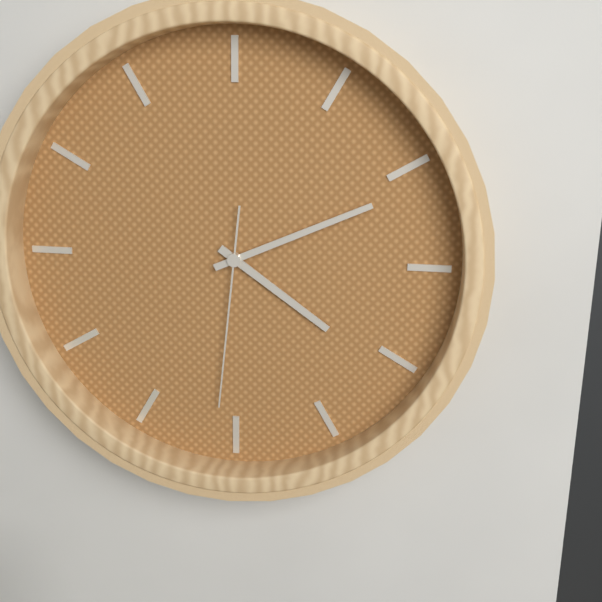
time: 4:11:31
